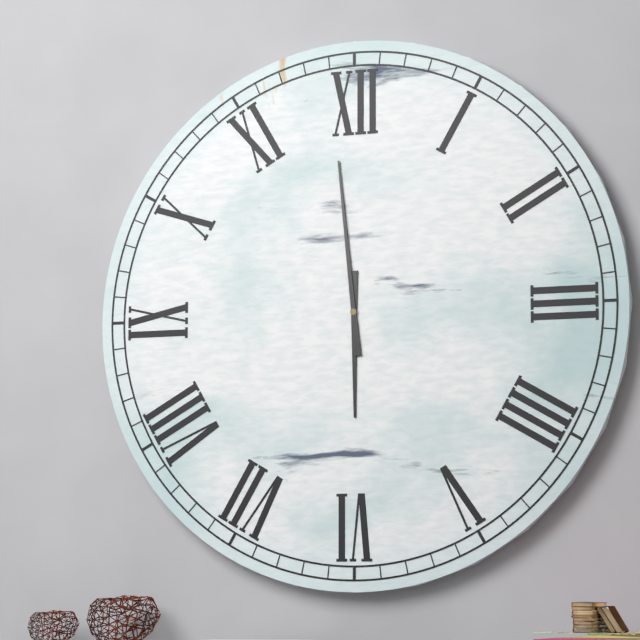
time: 5:59
